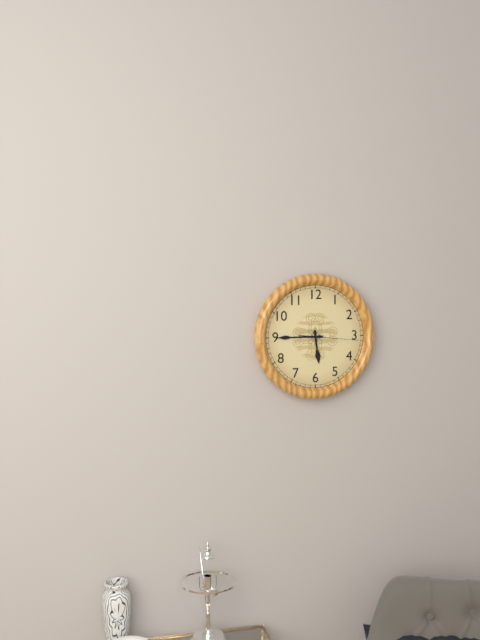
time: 5:45:16
